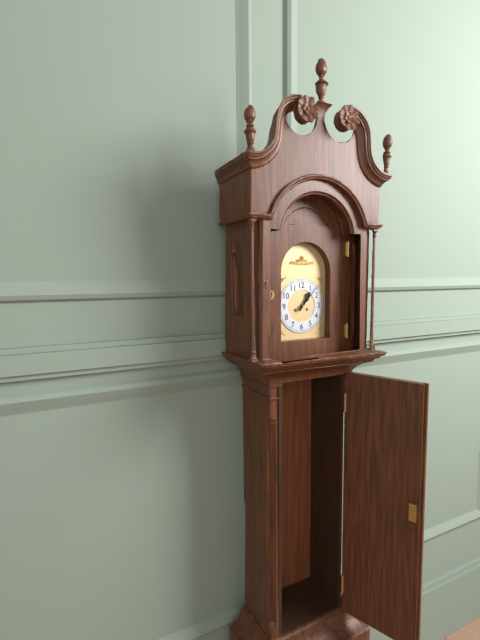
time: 1:07
